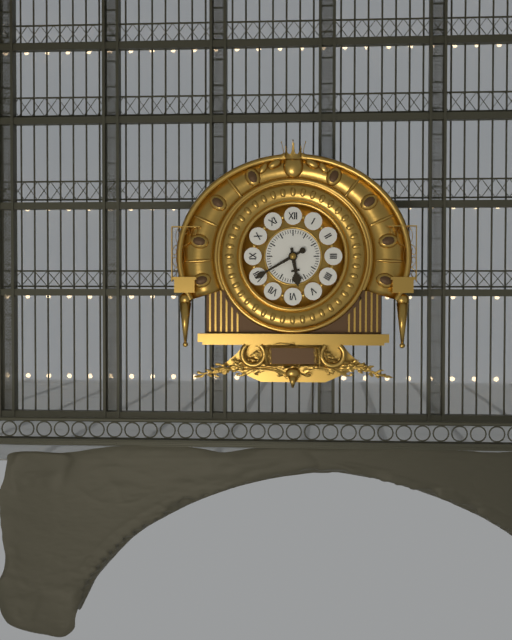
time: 5:40
